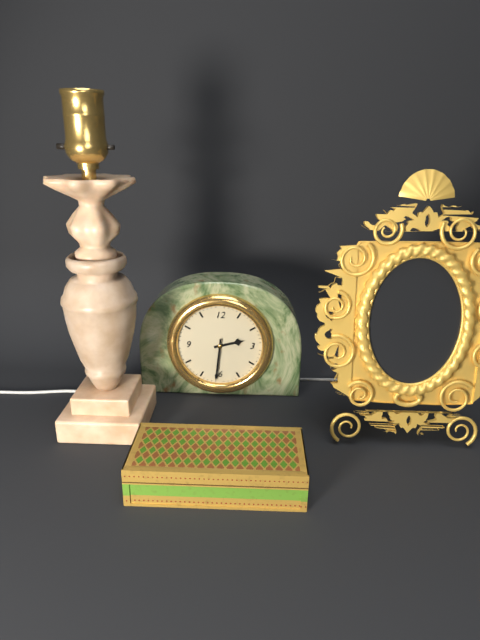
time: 2:31
